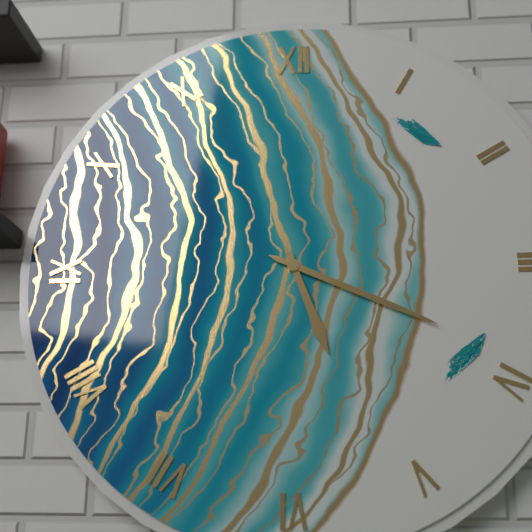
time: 5:19
